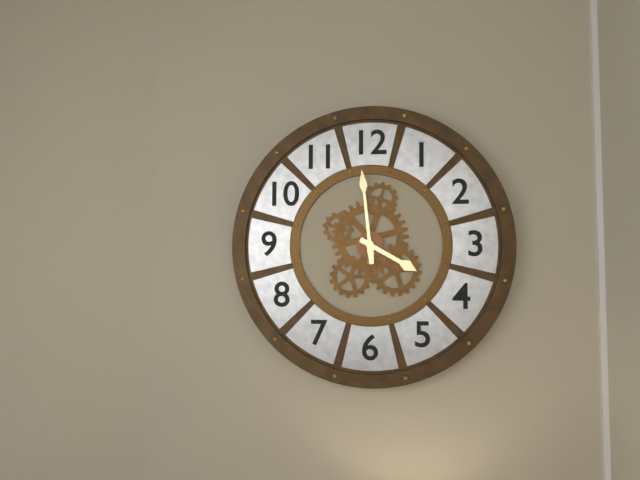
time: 3:59
